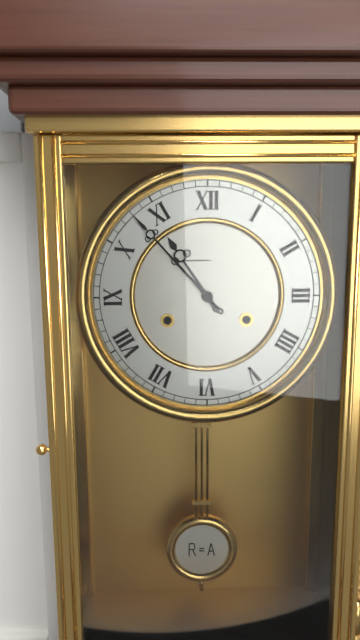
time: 10:53
